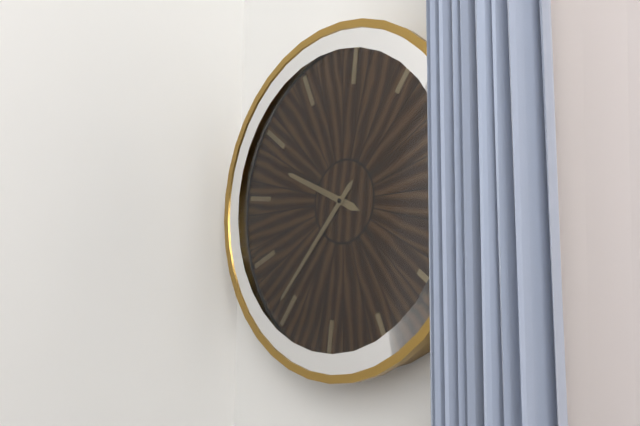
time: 9:36
